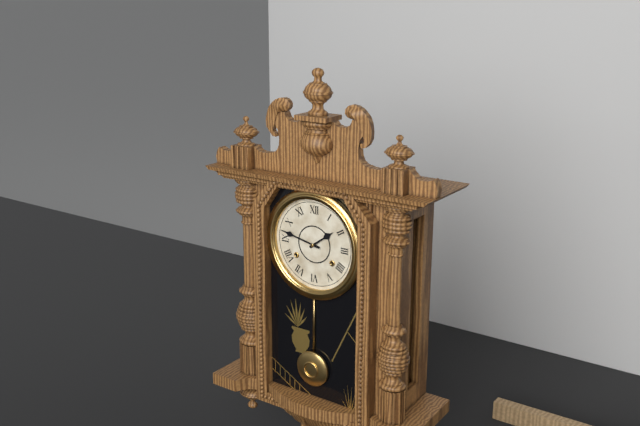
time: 1:47
